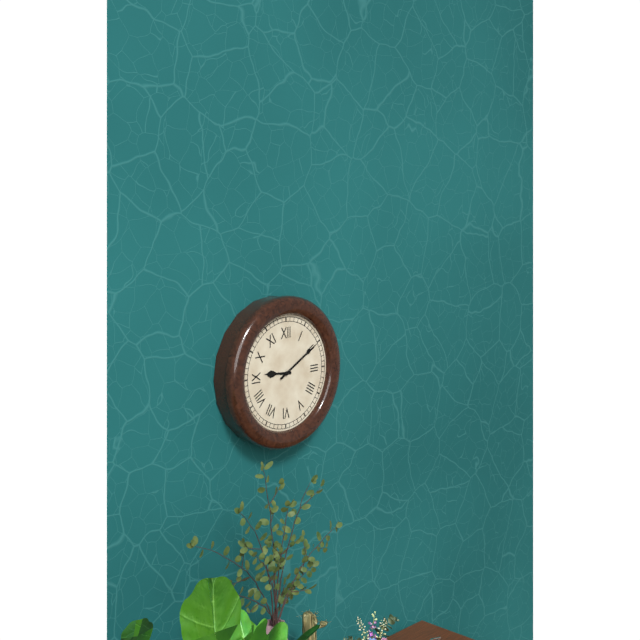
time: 9:10
